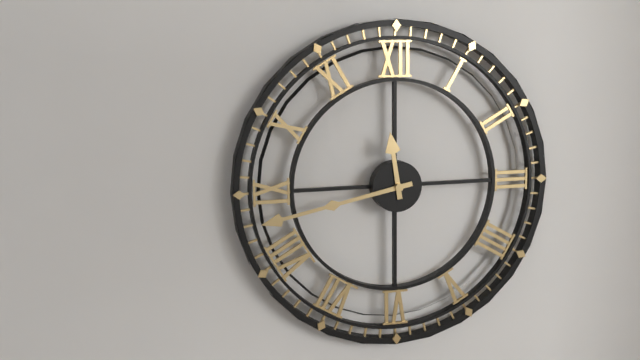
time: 11:43
